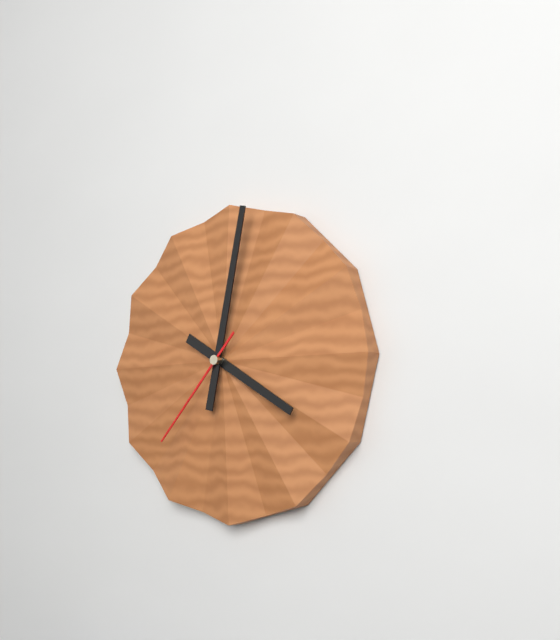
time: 4:02:37
